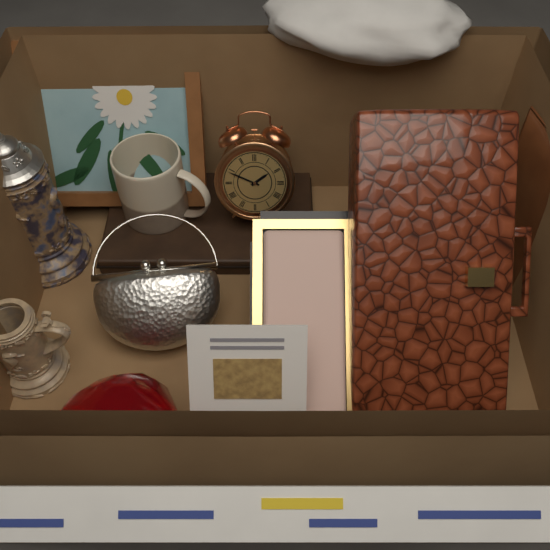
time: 1:49
